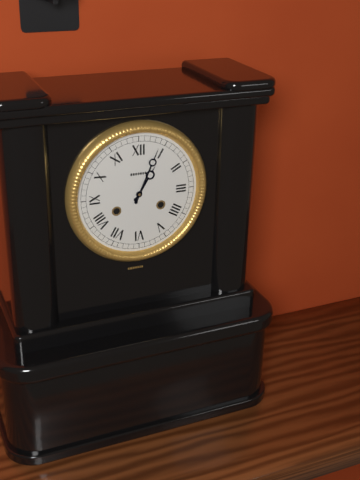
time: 1:04
